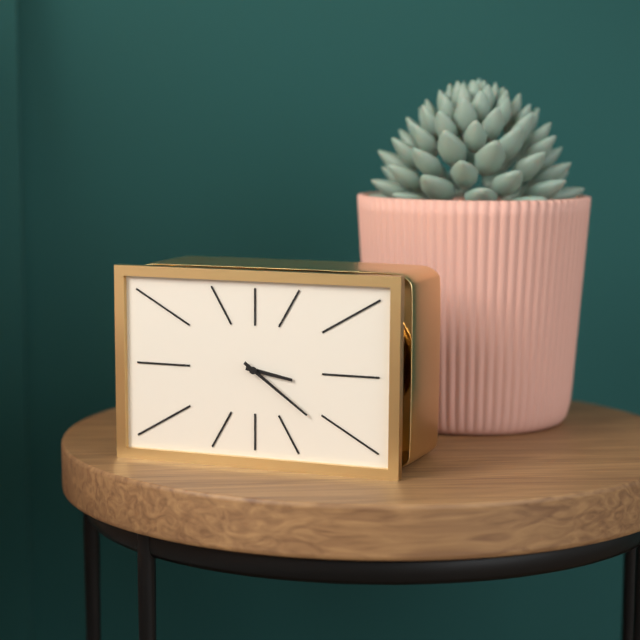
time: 3:21
